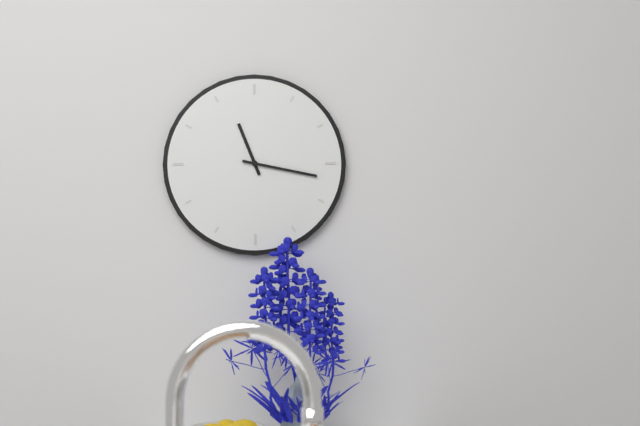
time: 11:17
